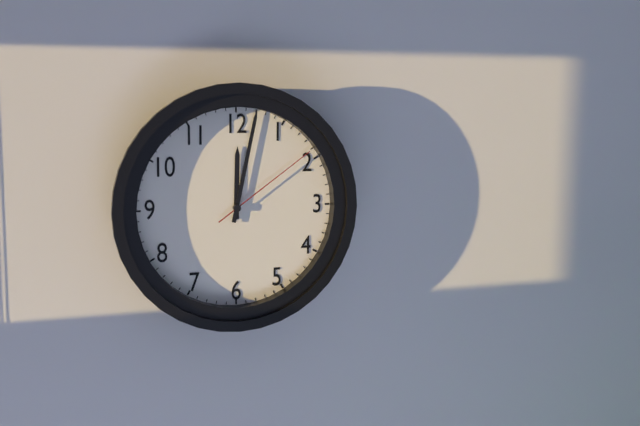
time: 12:02:09
